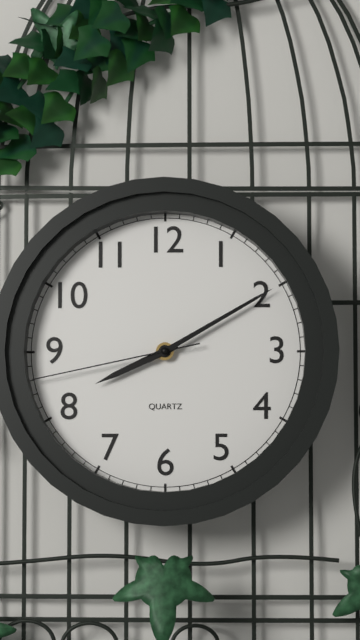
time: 8:10:43
